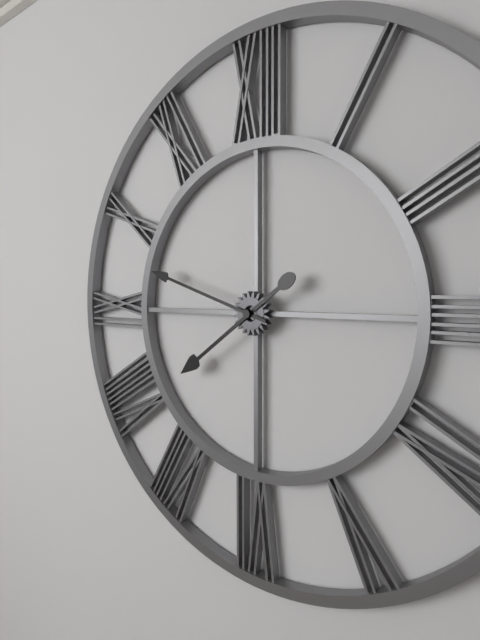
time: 7:48
